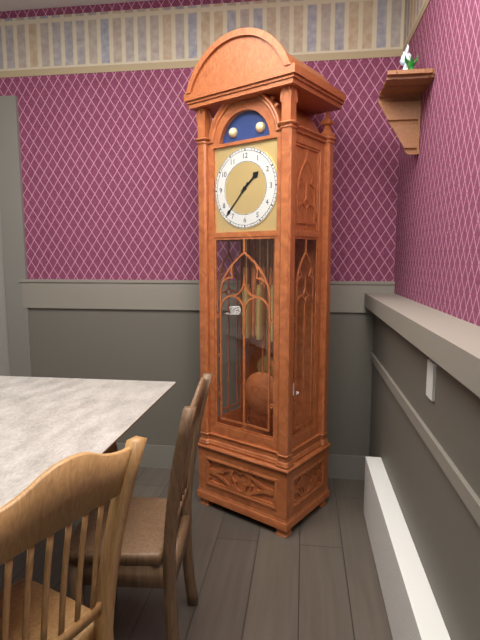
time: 1:37
